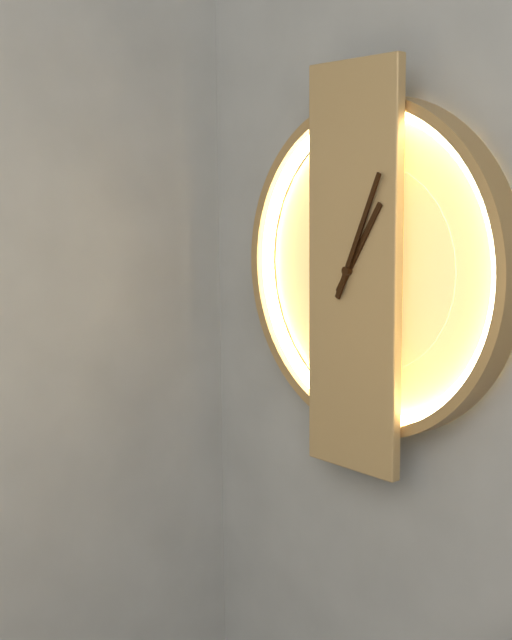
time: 1:04
